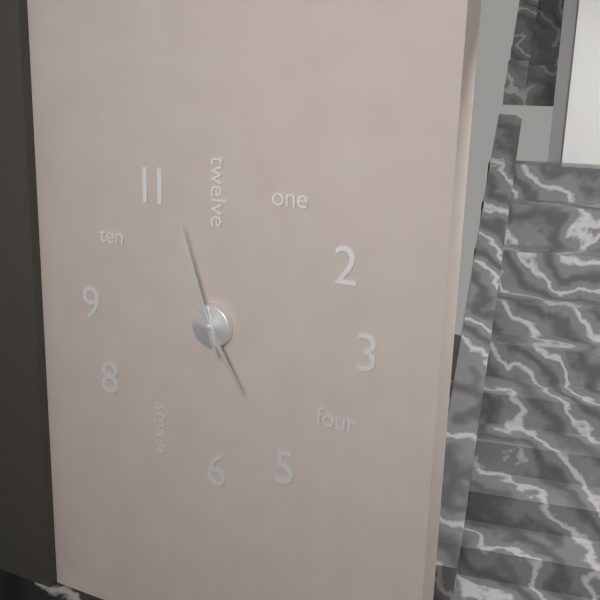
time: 4:57
